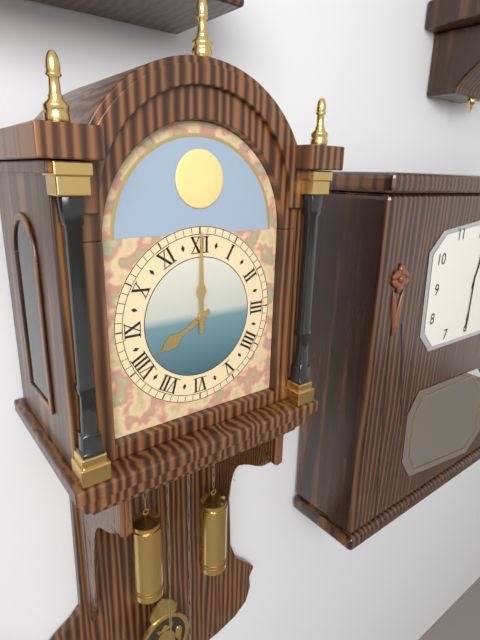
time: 8:00
